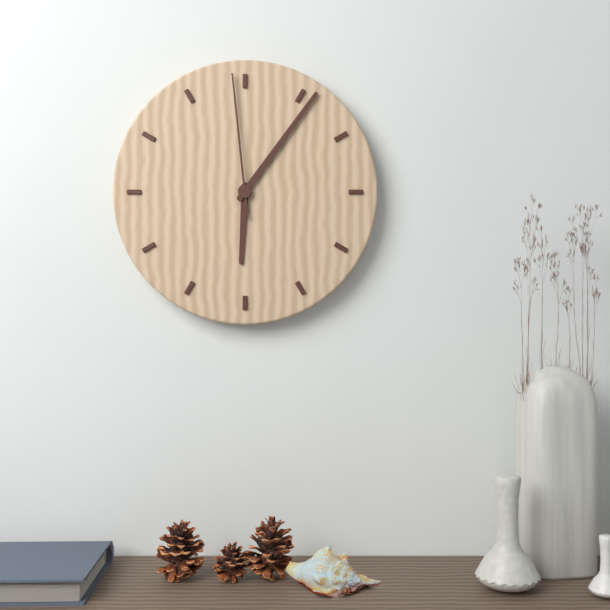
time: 6:06:59
